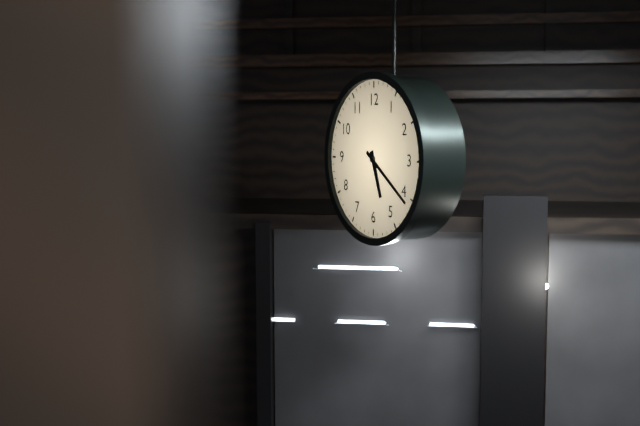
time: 5:21
